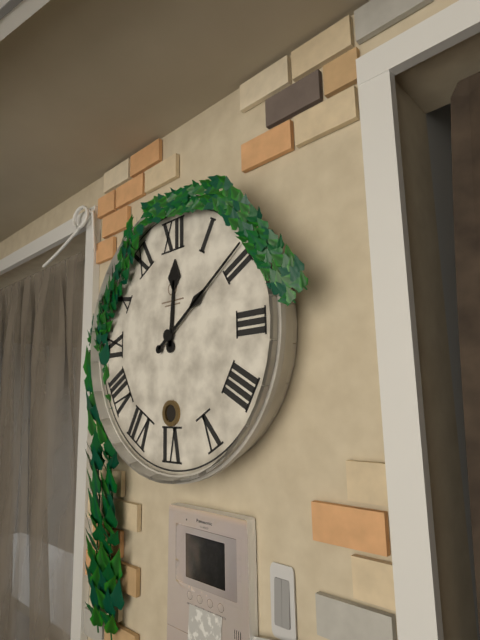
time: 12:09
